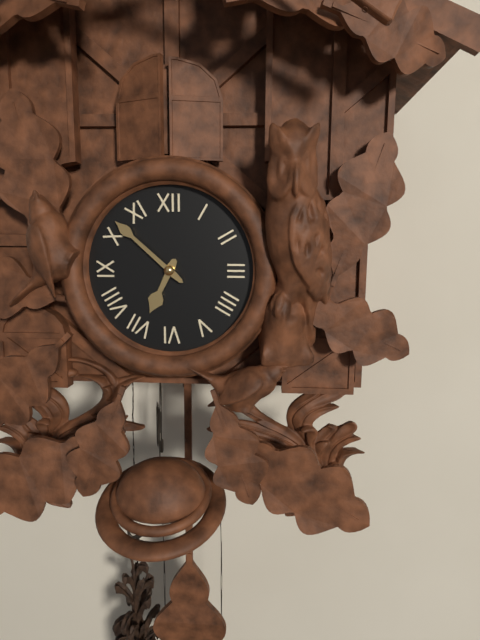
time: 6:52
